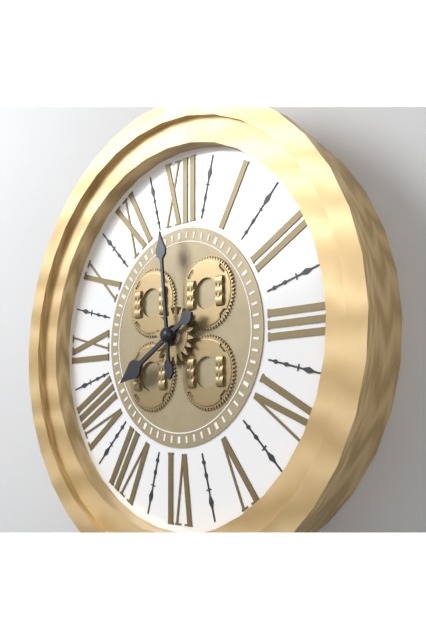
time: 7:59
